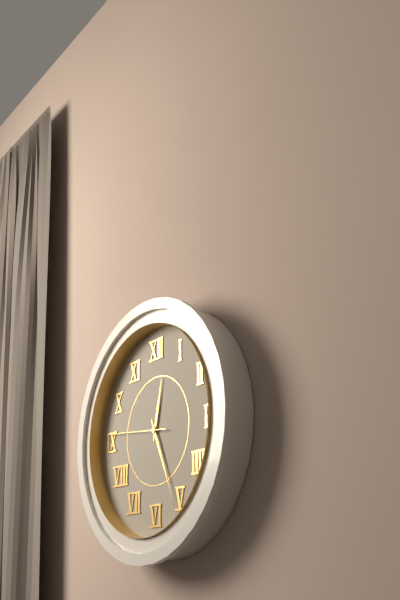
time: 12:26:46
